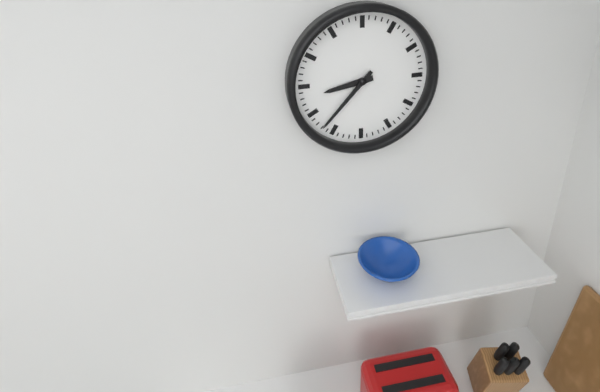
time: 8:37
